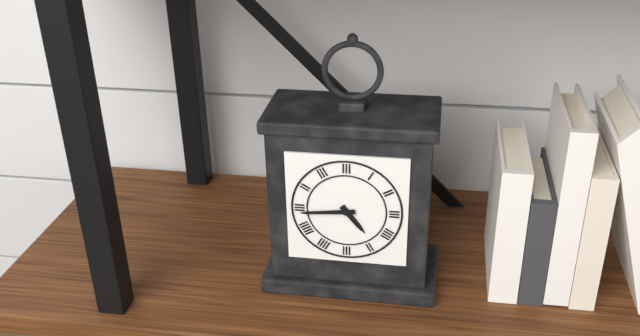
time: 4:44
